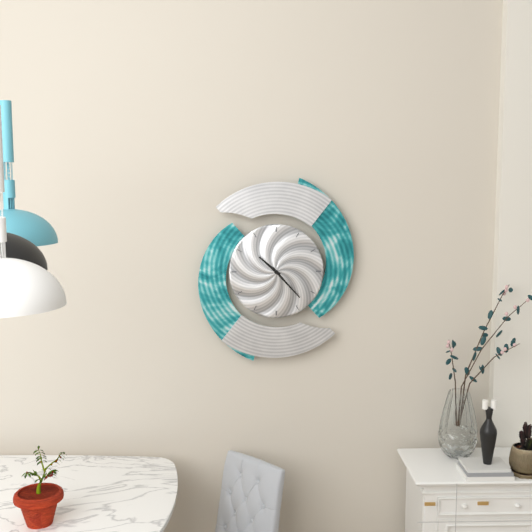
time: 10:23
